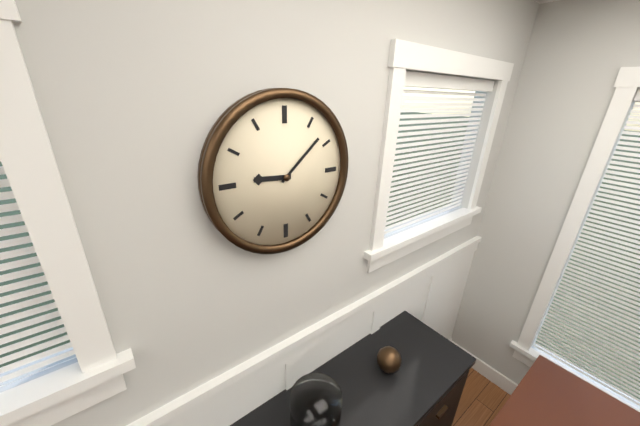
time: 9:08
